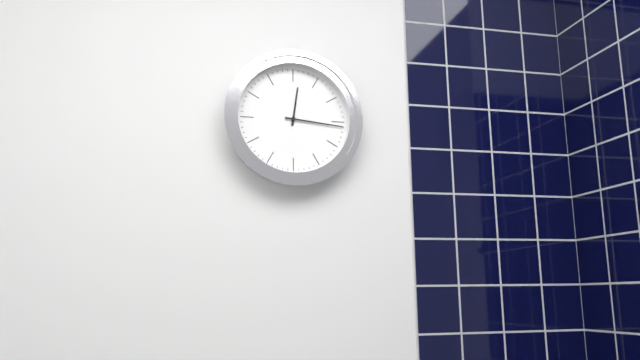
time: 12:16
